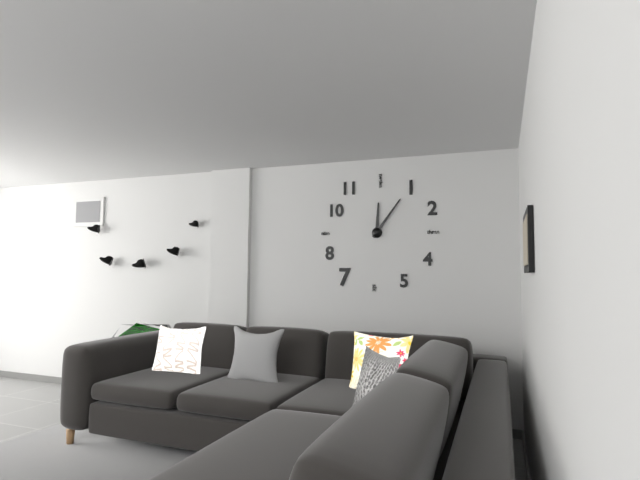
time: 12:06
